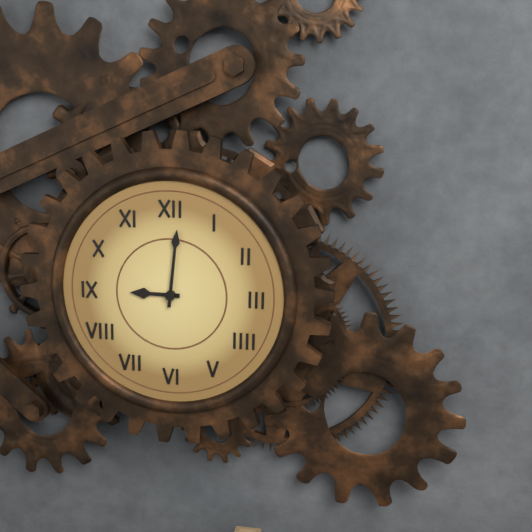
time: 9:01
